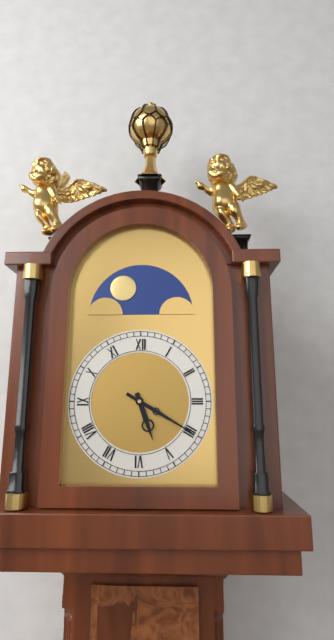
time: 5:20
